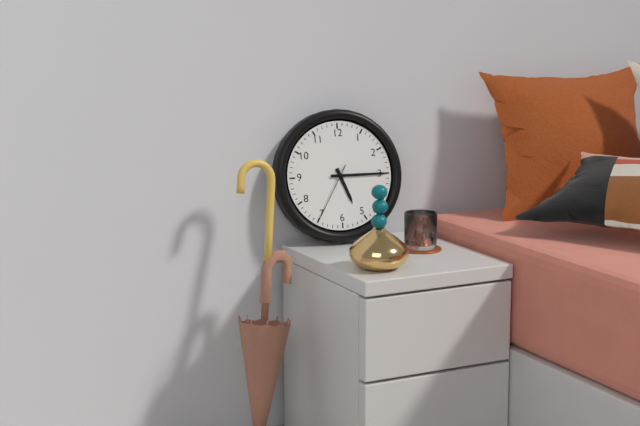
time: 5:15:35
